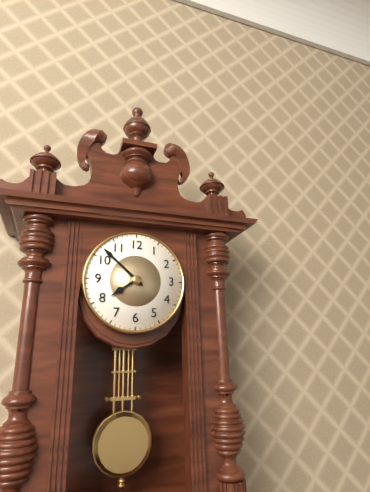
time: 7:52
